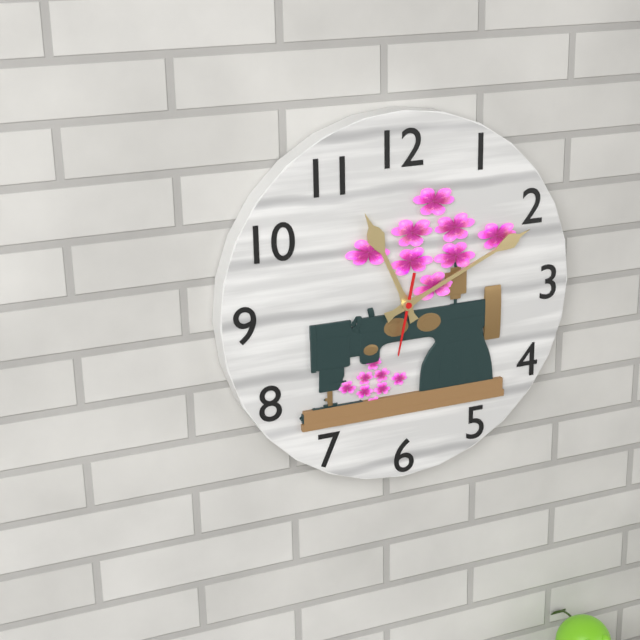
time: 11:11:32
